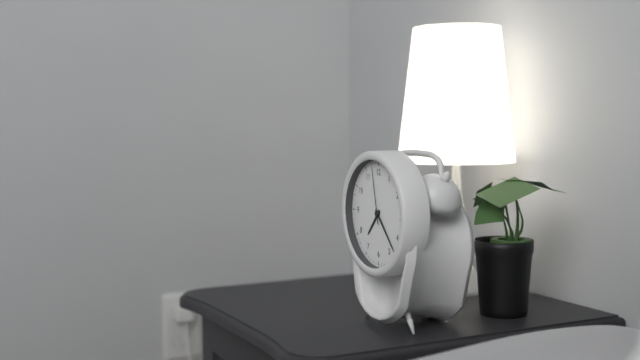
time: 7:23:58
